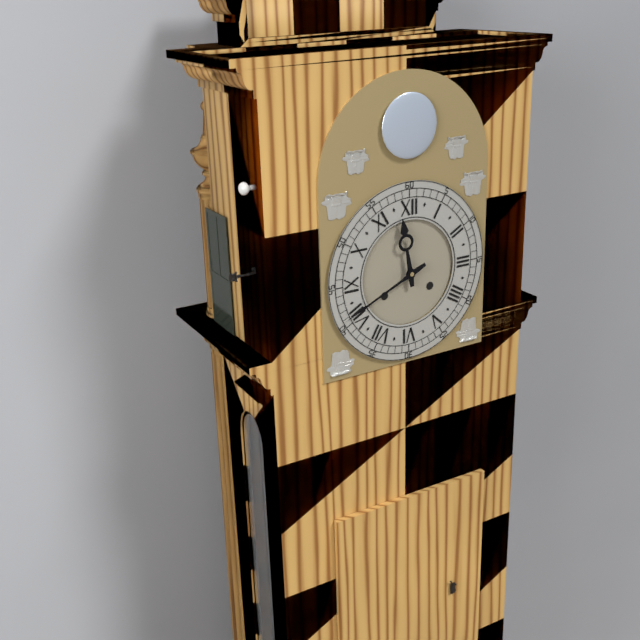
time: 11:41
